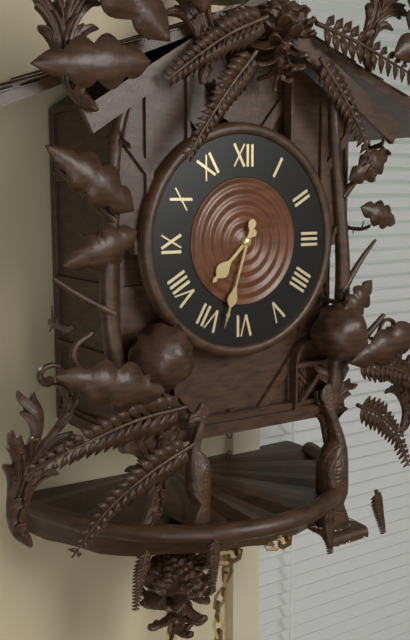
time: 7:33
